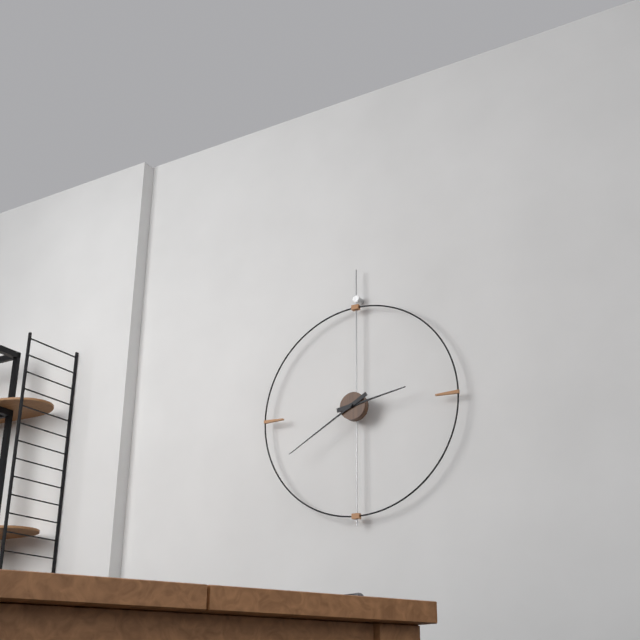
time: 2:40
